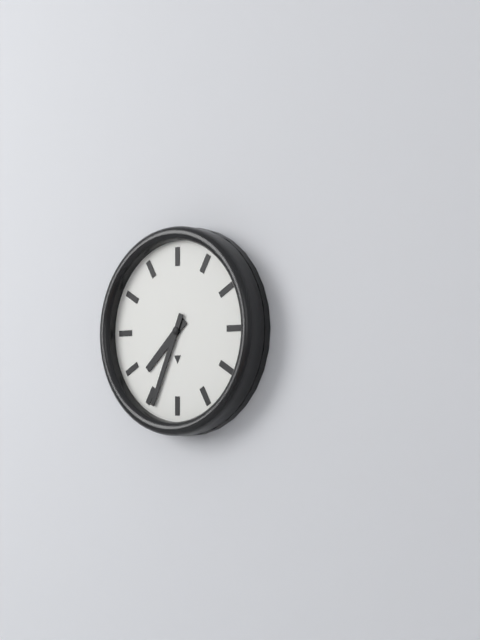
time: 7:34
